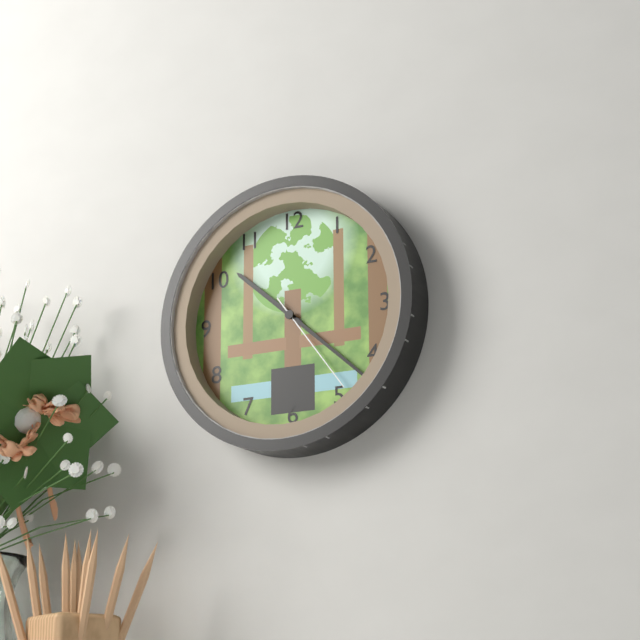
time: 10:22:24
